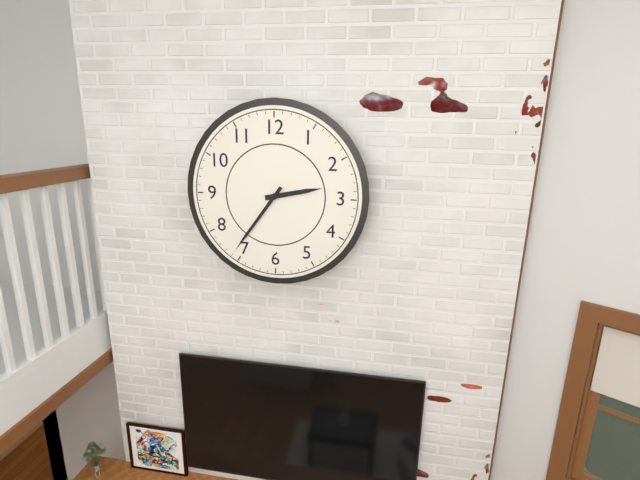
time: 2:36
